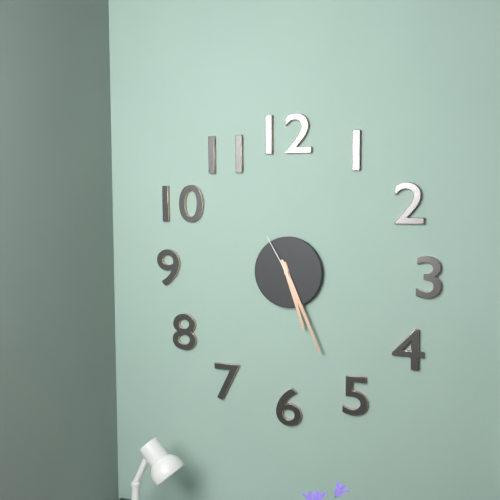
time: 5:26:55
